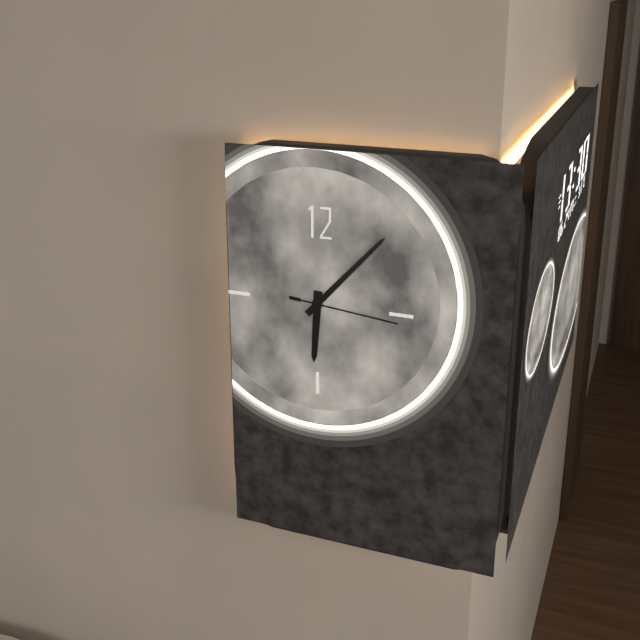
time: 6:07:16
